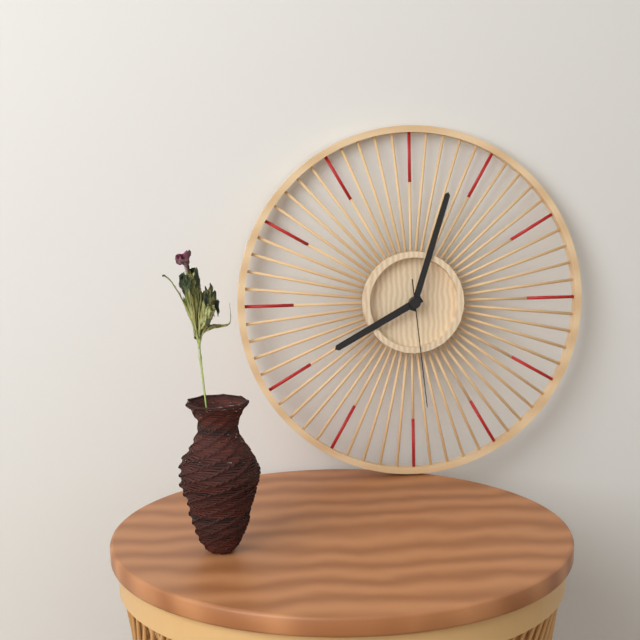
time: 8:03:29
